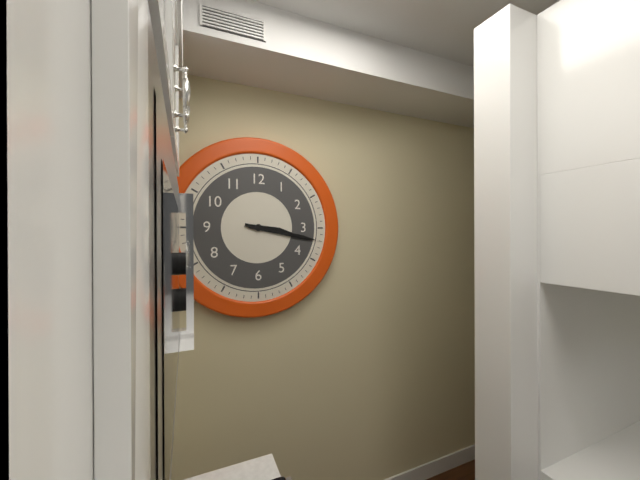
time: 3:17
